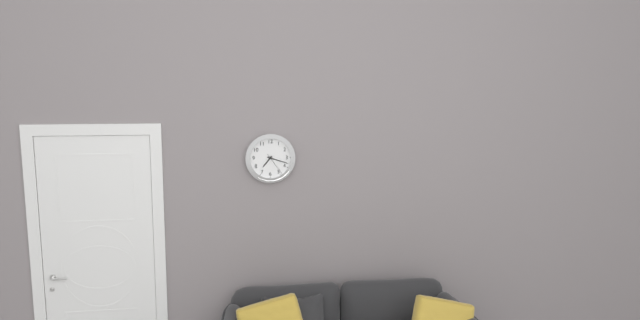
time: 7:18
